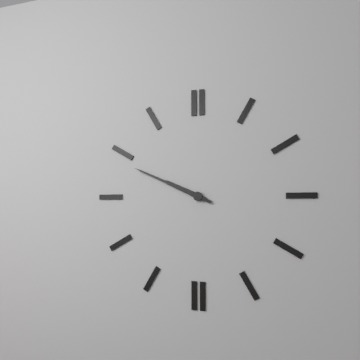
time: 9:49
